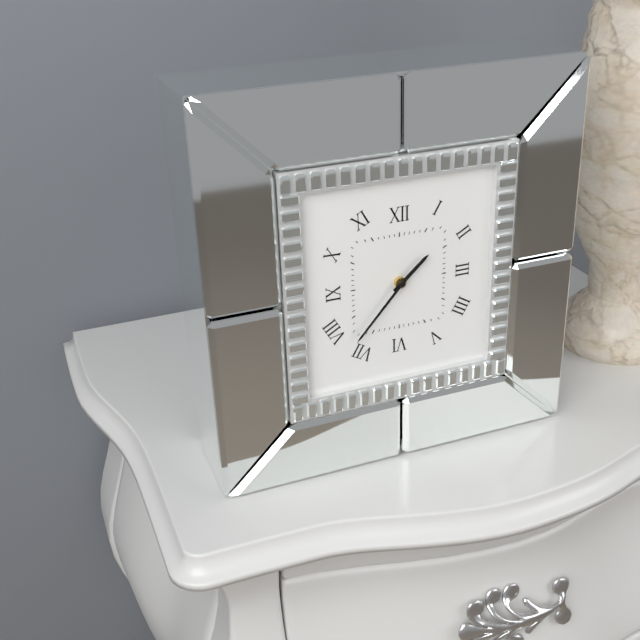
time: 1:37
